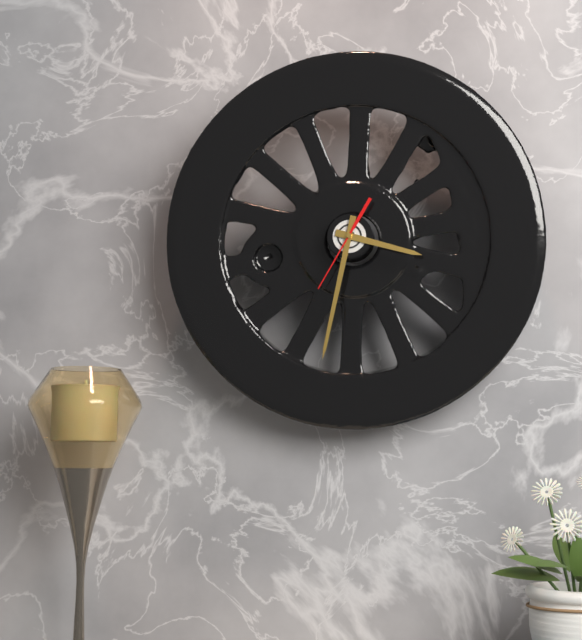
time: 3:32:35
